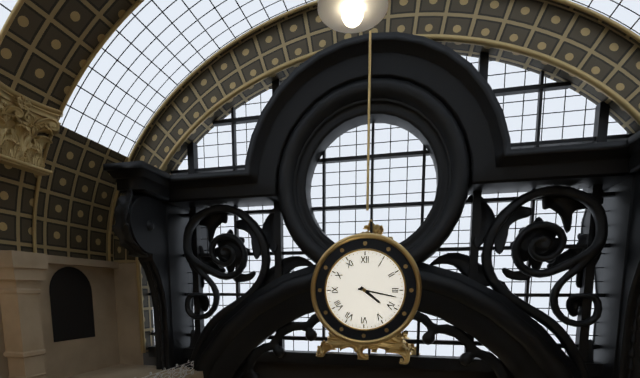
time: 4:17
